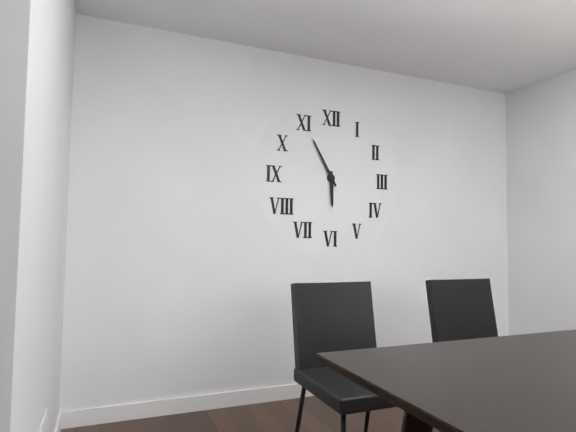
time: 5:55
